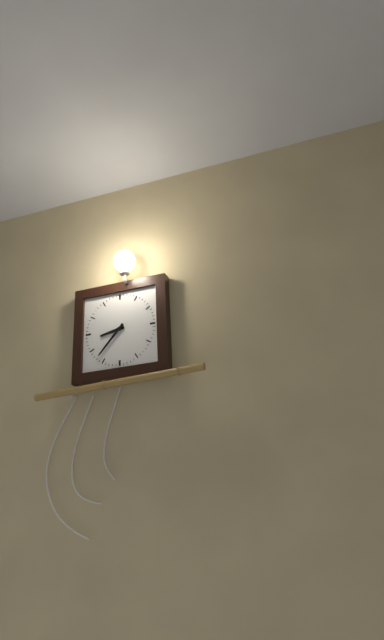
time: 8:37
